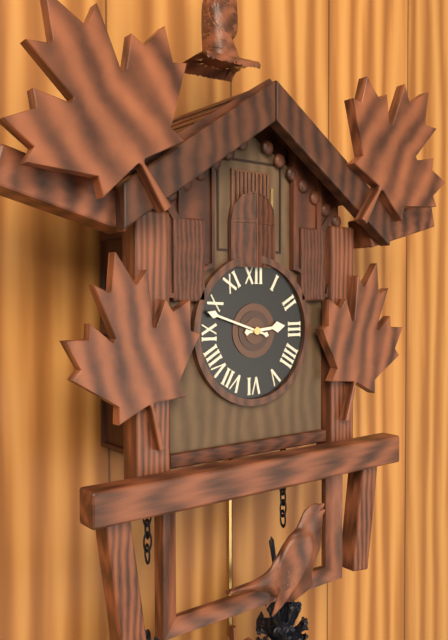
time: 2:48
